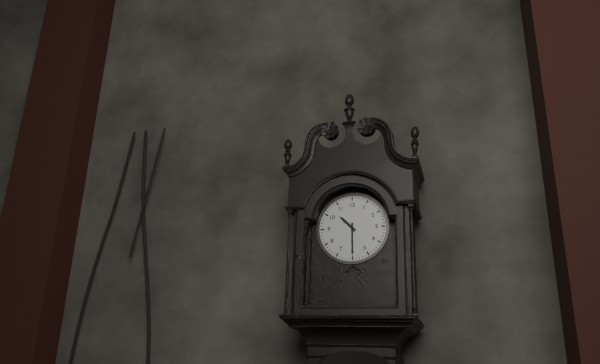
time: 10:30
